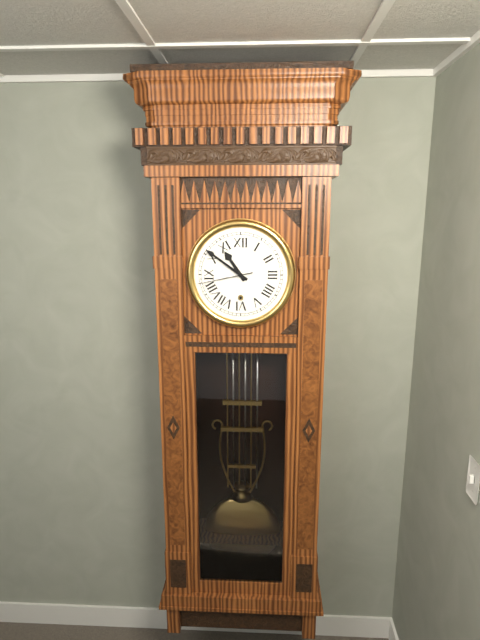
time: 10:51:43
